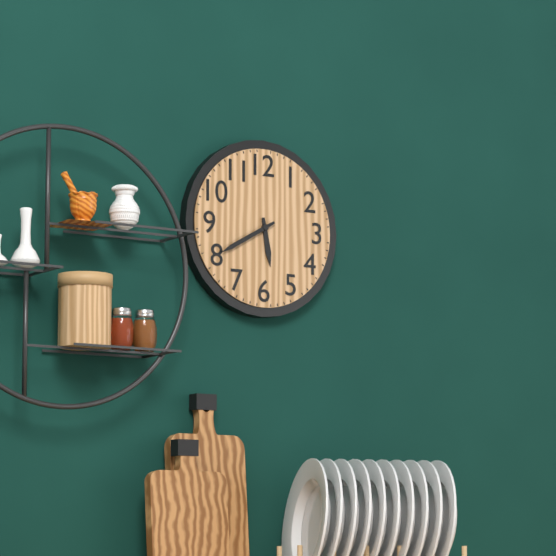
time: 5:40
